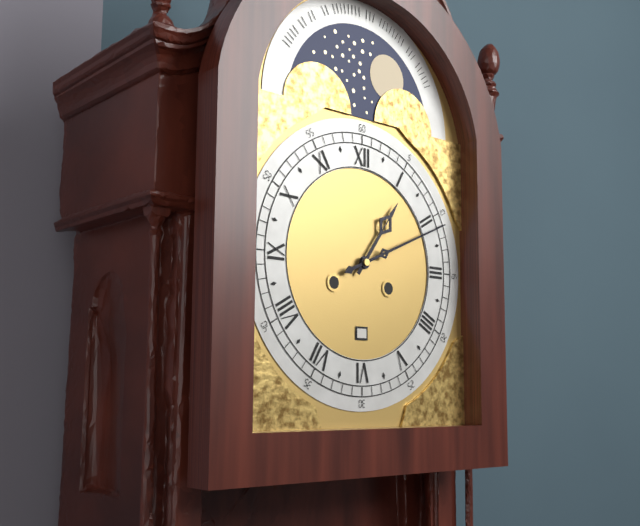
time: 1:11
